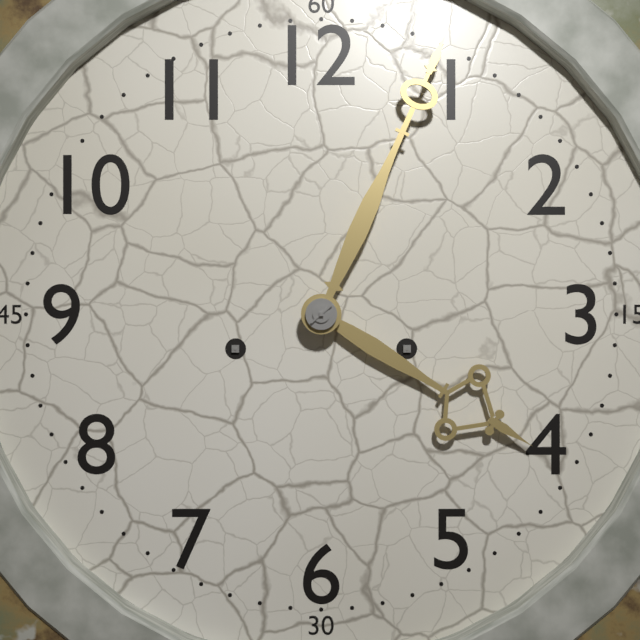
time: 4:04
